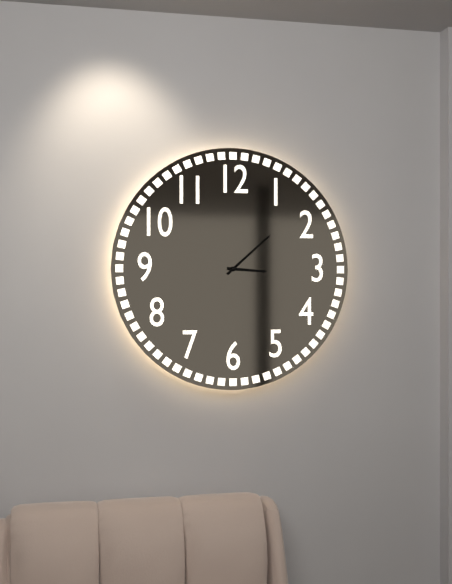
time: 3:08
